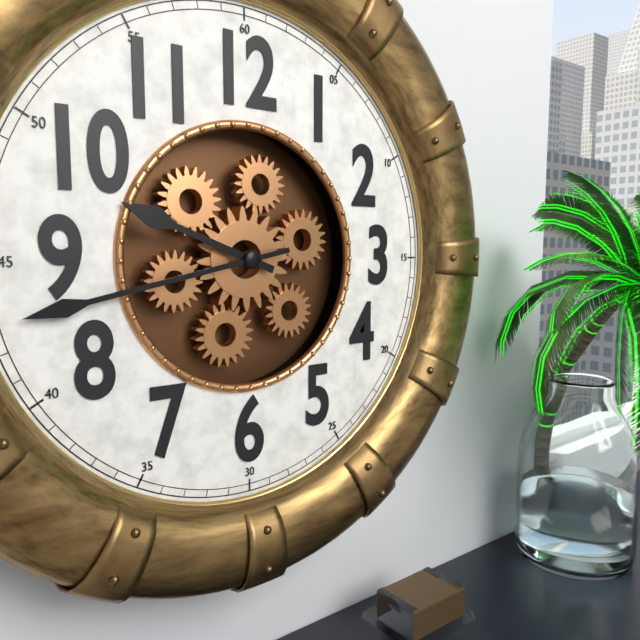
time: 9:43
